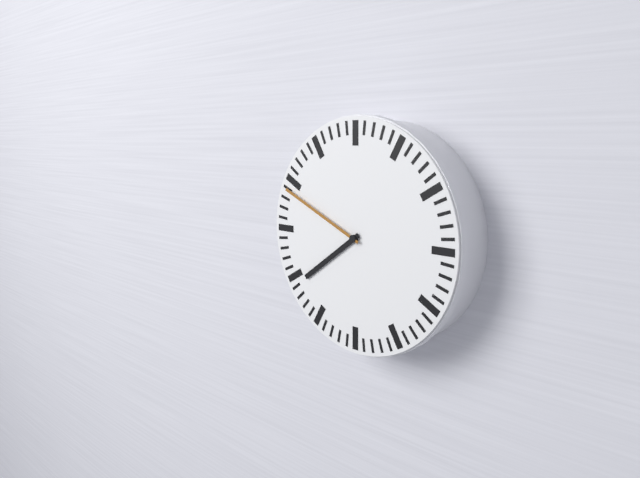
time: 7:49
